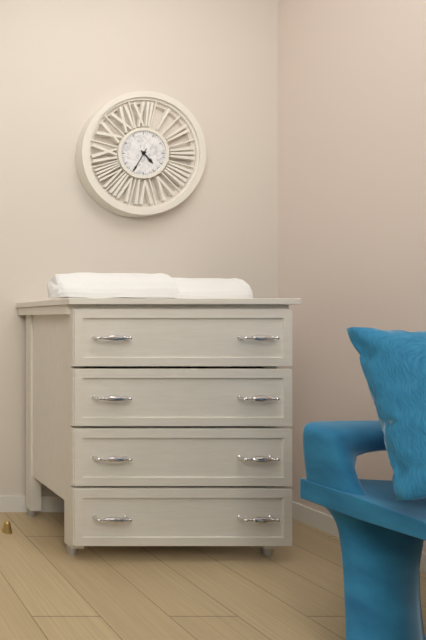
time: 4:35
